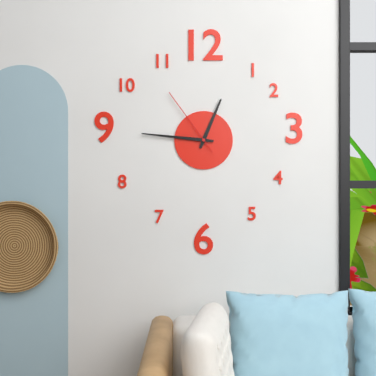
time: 12:46:54
